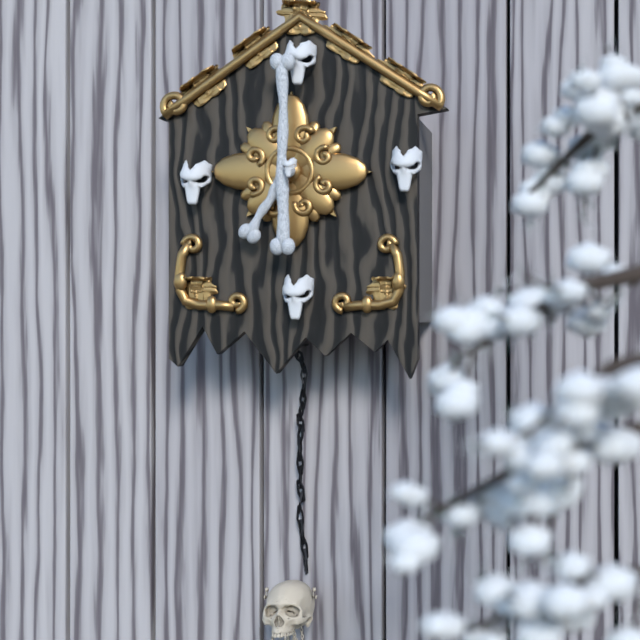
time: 7:00
